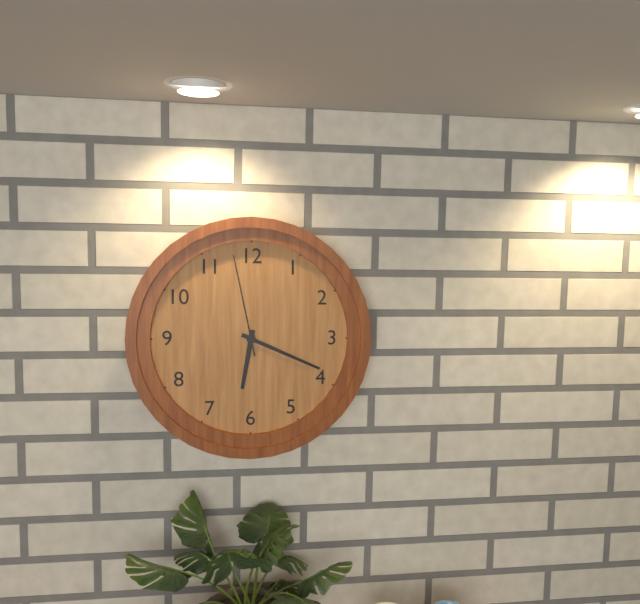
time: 6:19:58
